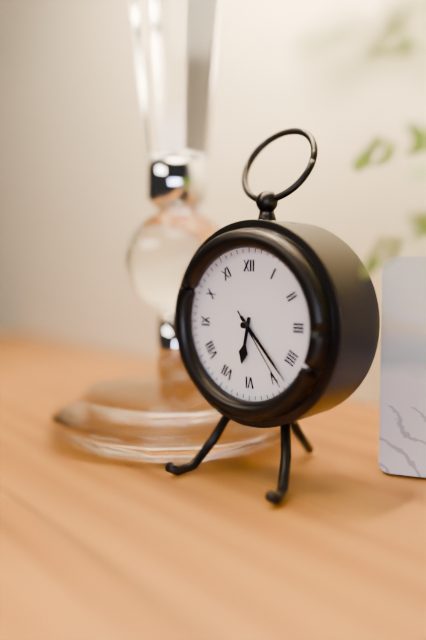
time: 6:23:24
